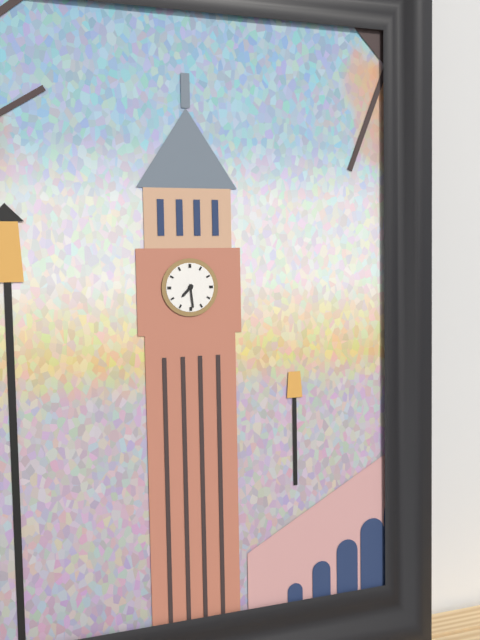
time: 7:29
